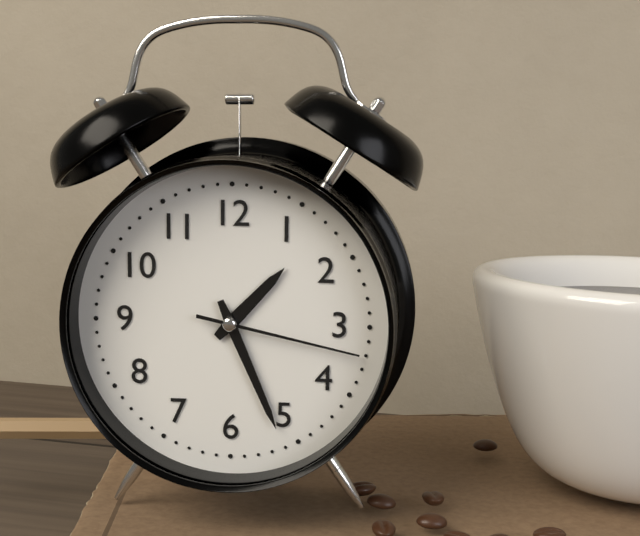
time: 1:26:17
